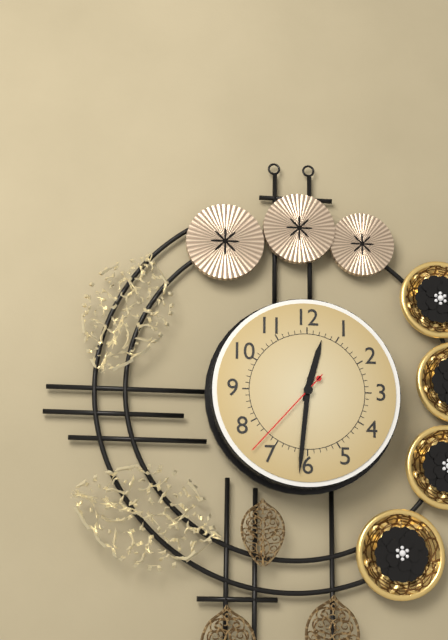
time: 12:31:37
